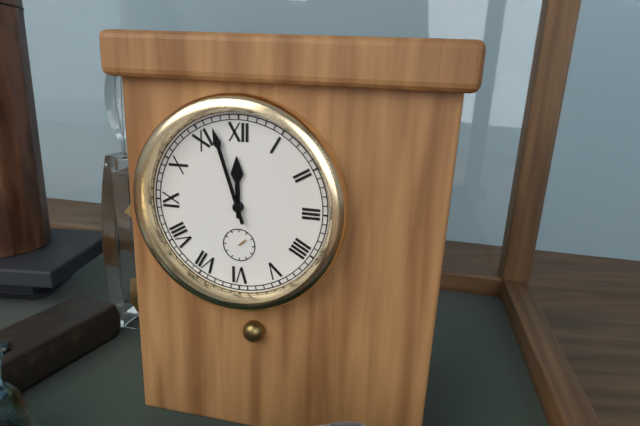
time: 11:57
